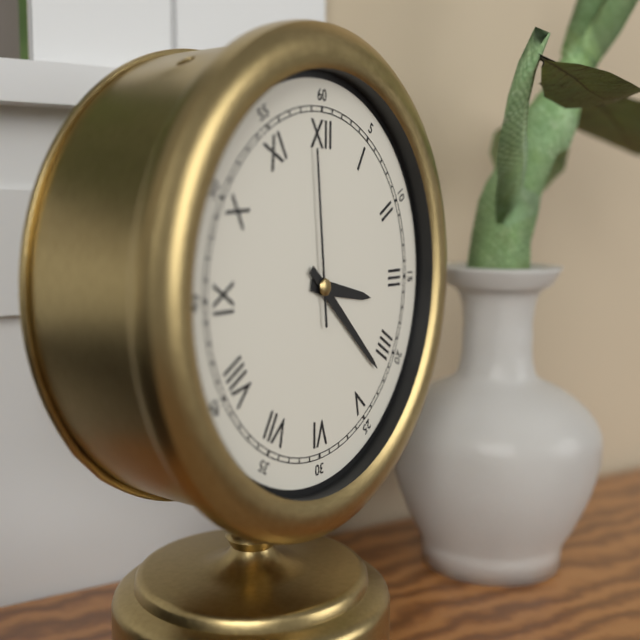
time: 3:22:59
